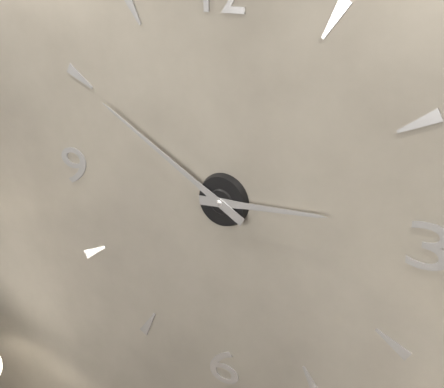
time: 2:50
